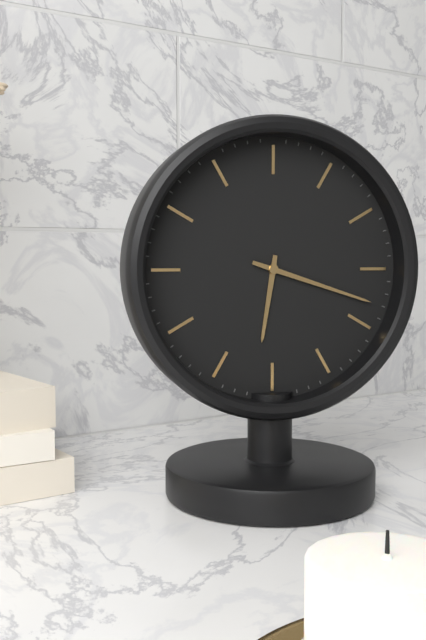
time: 6:18
